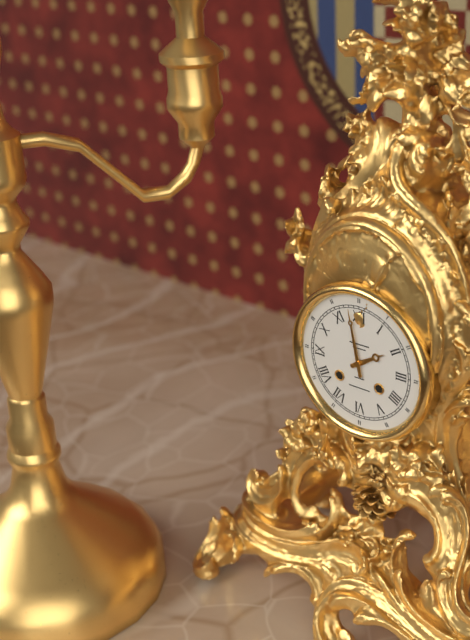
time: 1:58
